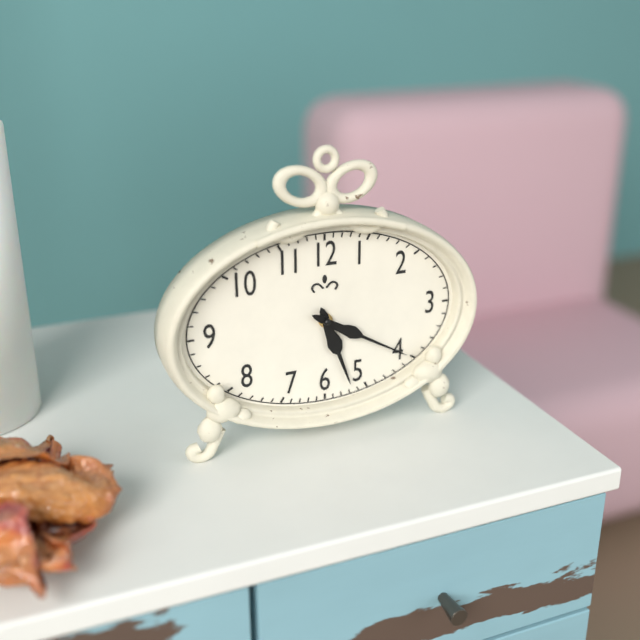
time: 5:20
